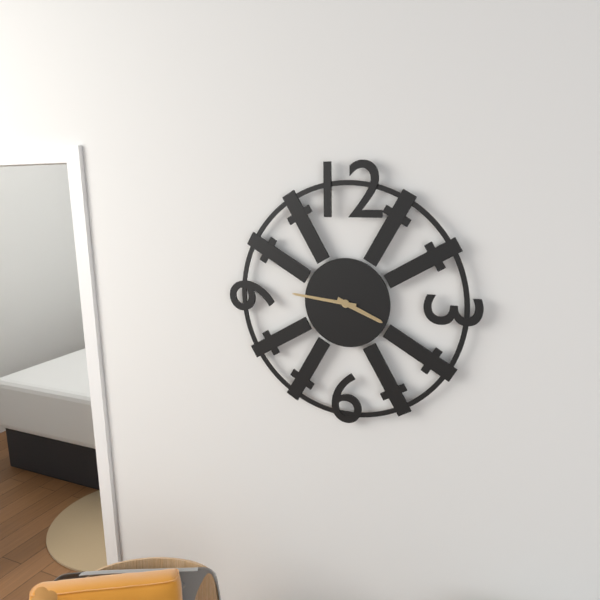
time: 3:46
